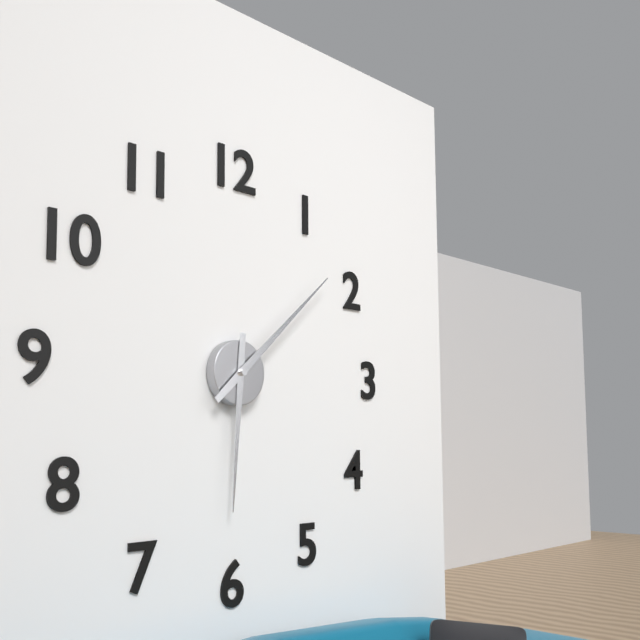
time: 6:08
